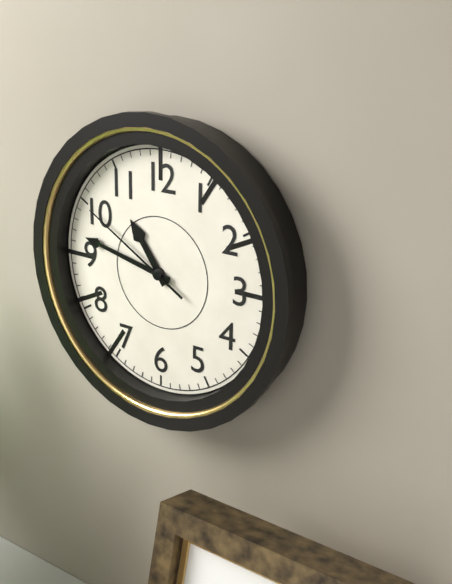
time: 10:47:50
